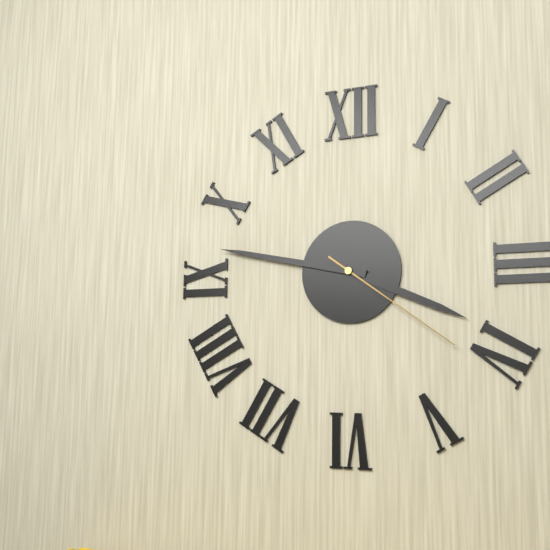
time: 3:47:21
